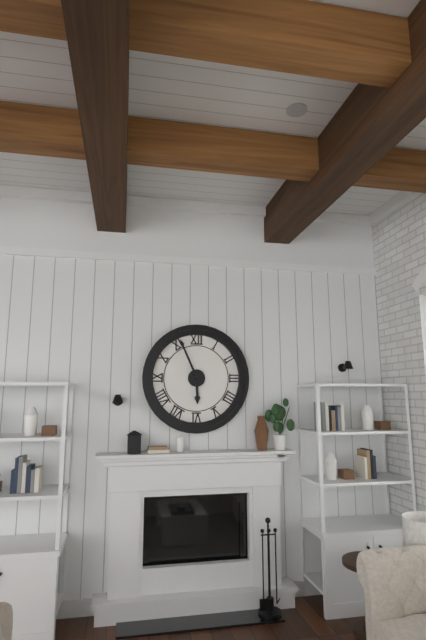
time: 5:56
